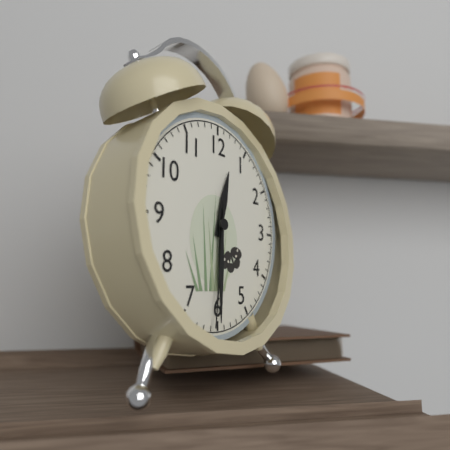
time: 12:30:31
